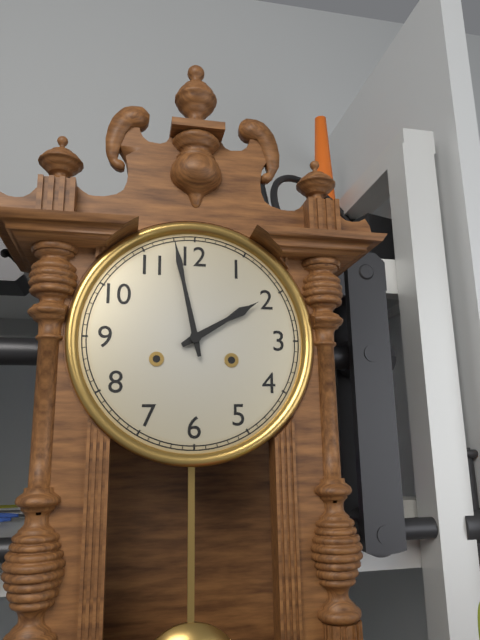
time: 1:58
